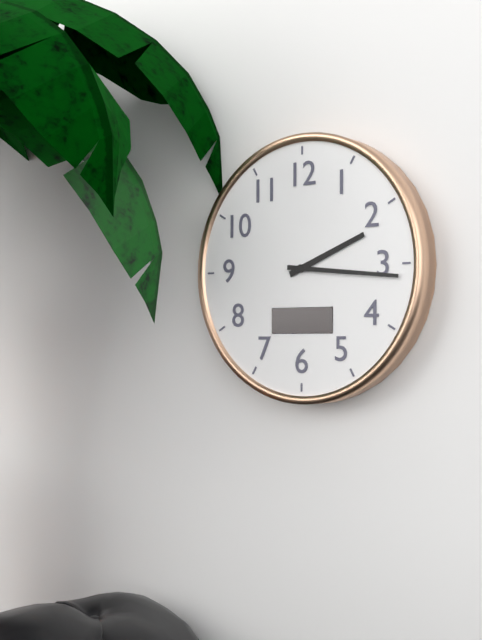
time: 2:16
